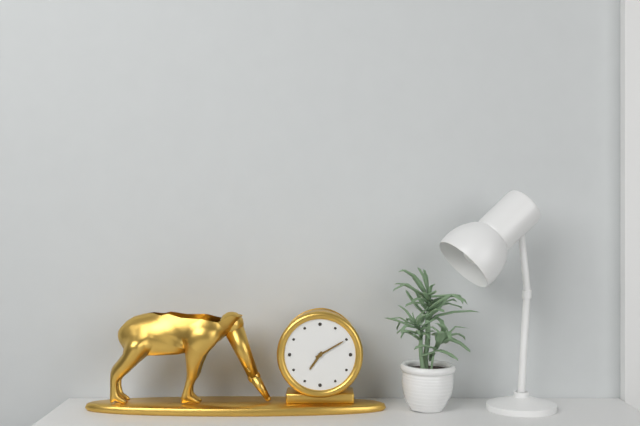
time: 7:10
